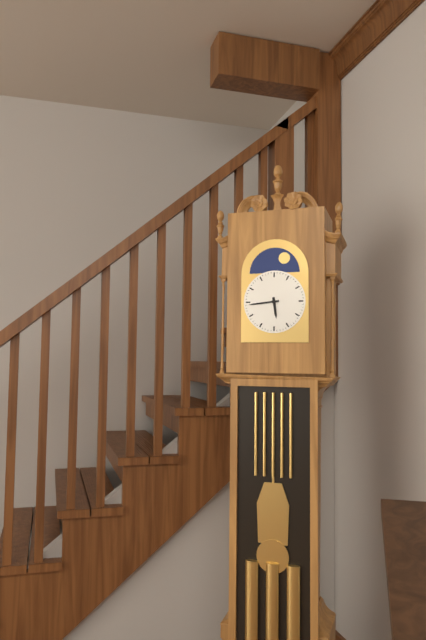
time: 5:44
